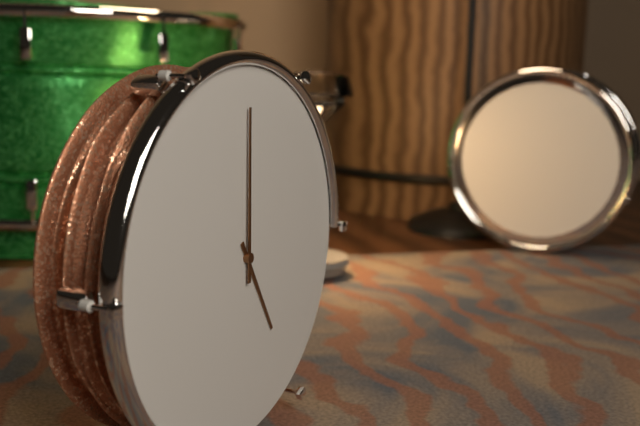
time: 5:00
